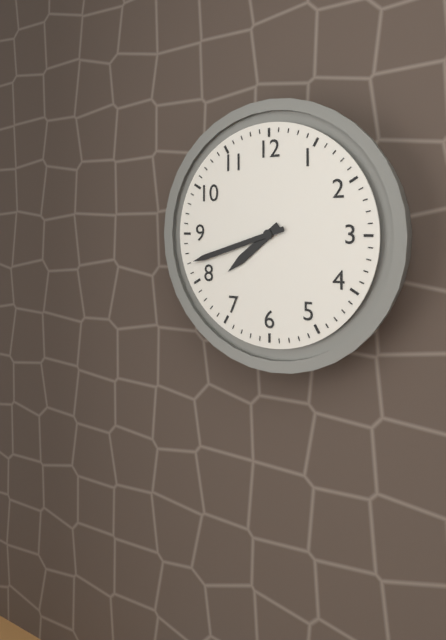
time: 7:42
